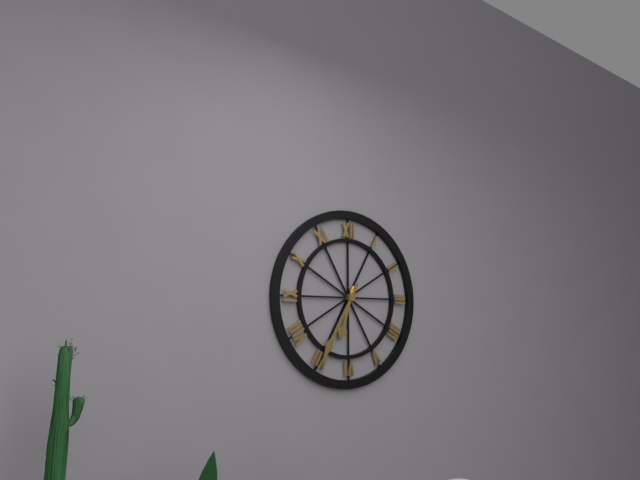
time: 6:35
